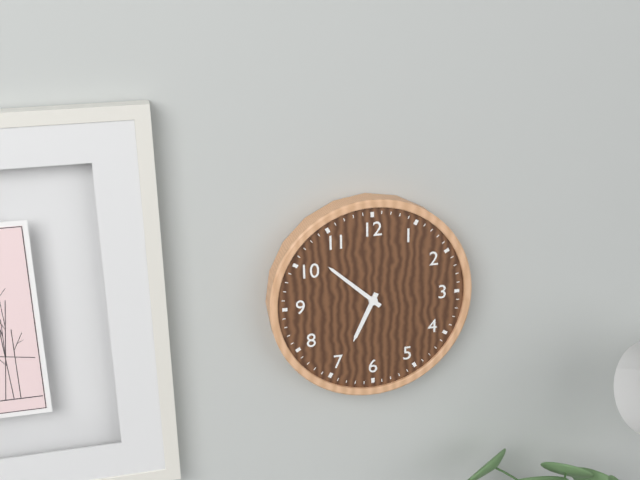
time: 6:52
